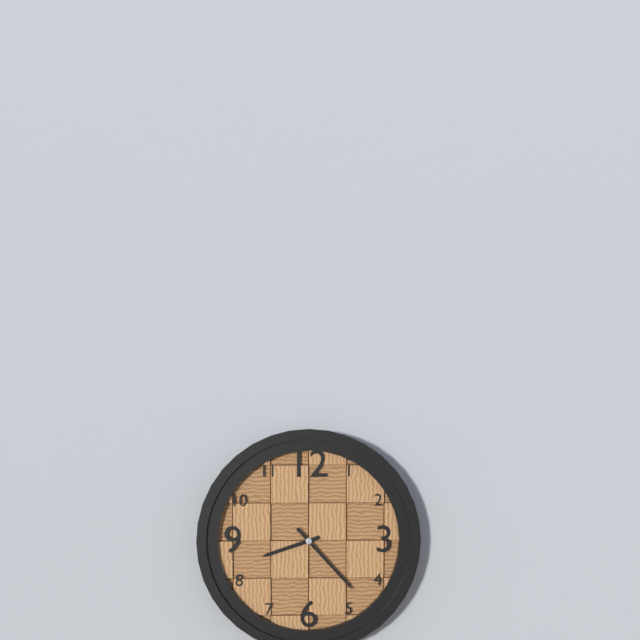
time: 8:23
